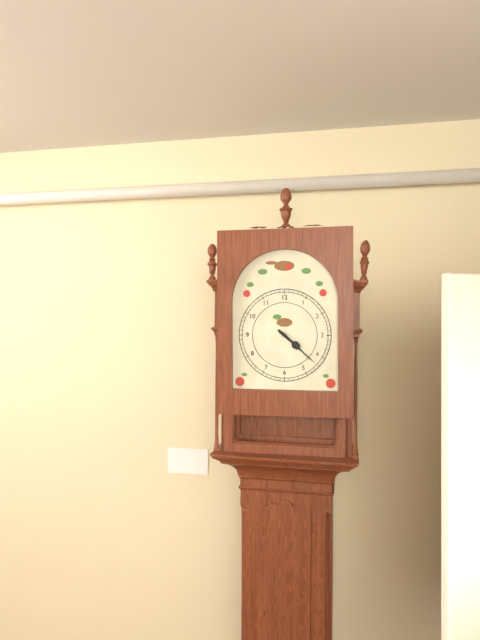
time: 4:22
